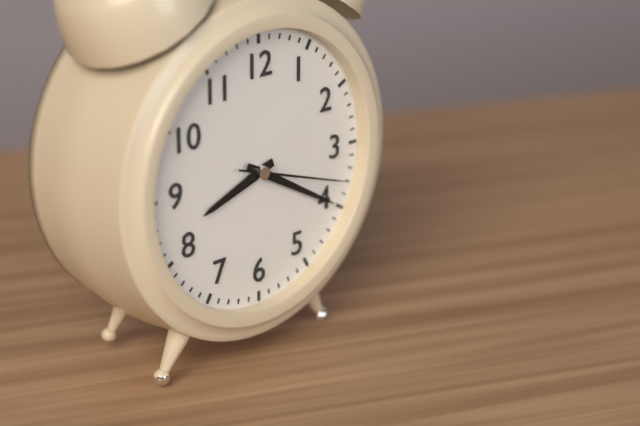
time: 8:20:18
